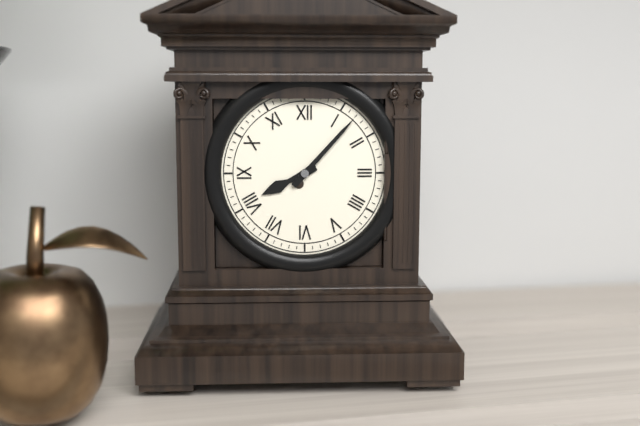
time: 8:07
